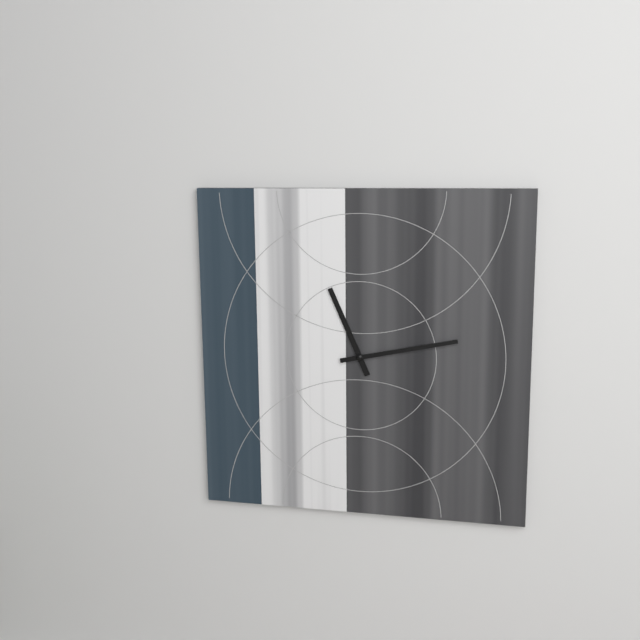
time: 11:13
